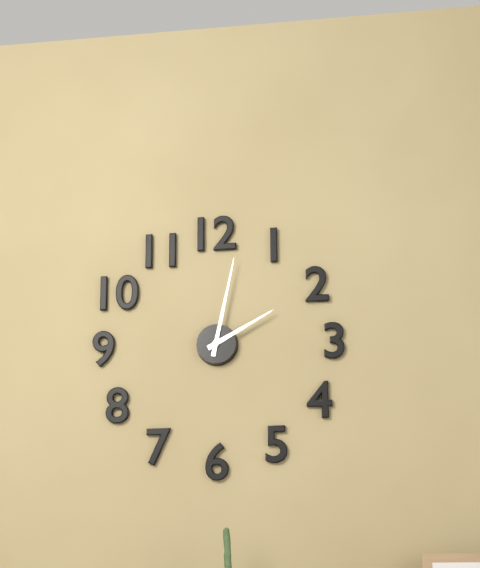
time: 2:02
